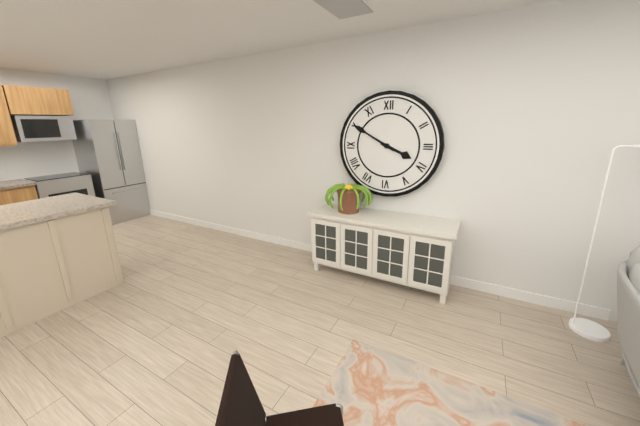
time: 3:50
